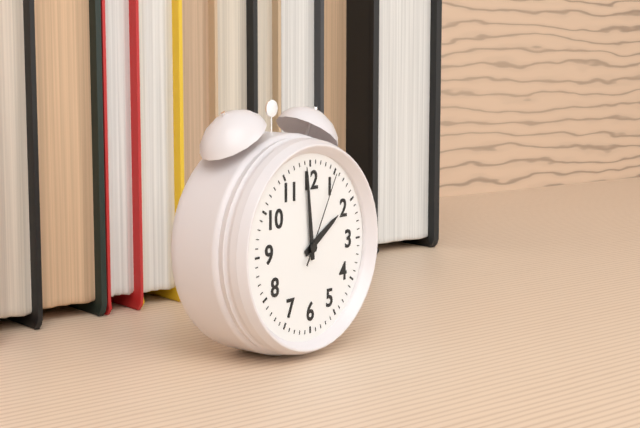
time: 1:59:05
